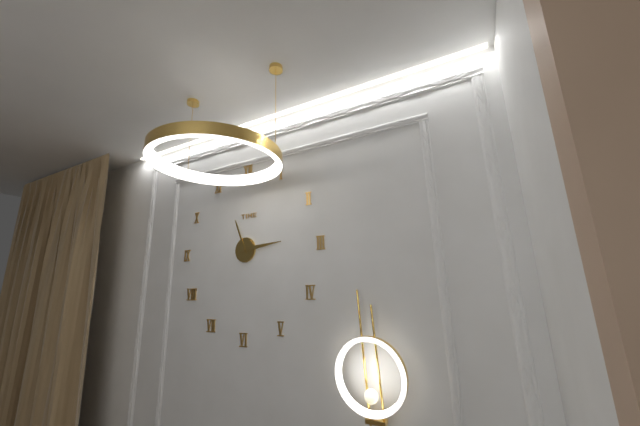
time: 11:14
